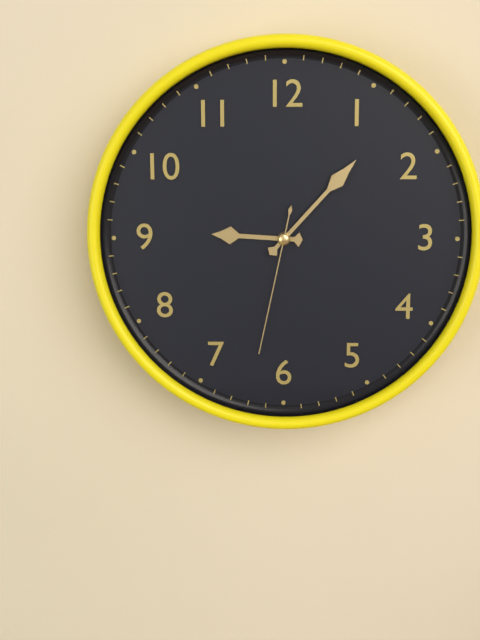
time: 9:07:32
